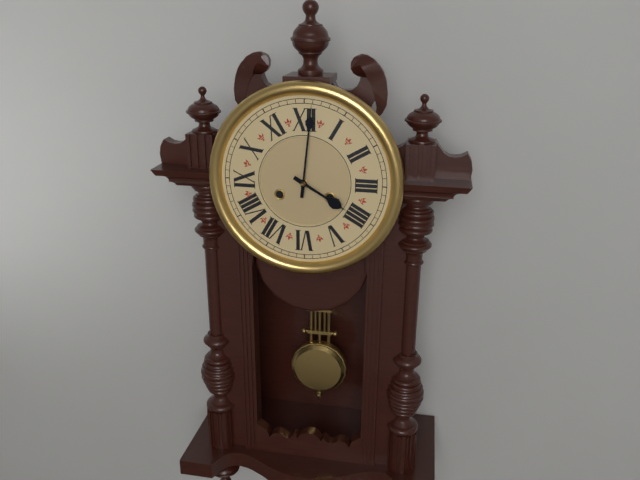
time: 4:01
